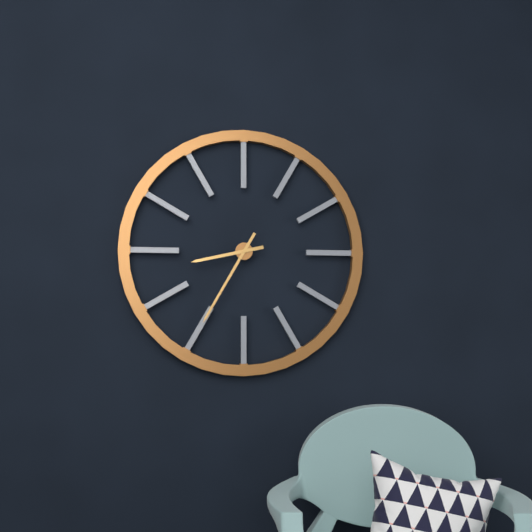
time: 8:35
